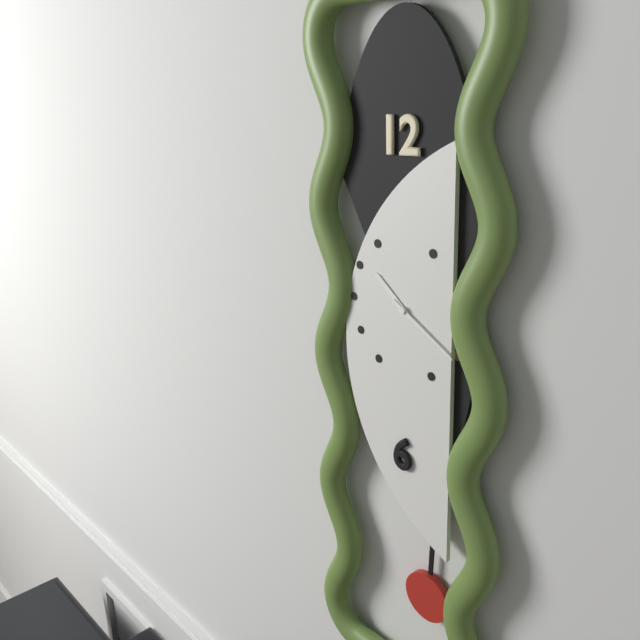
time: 10:20
